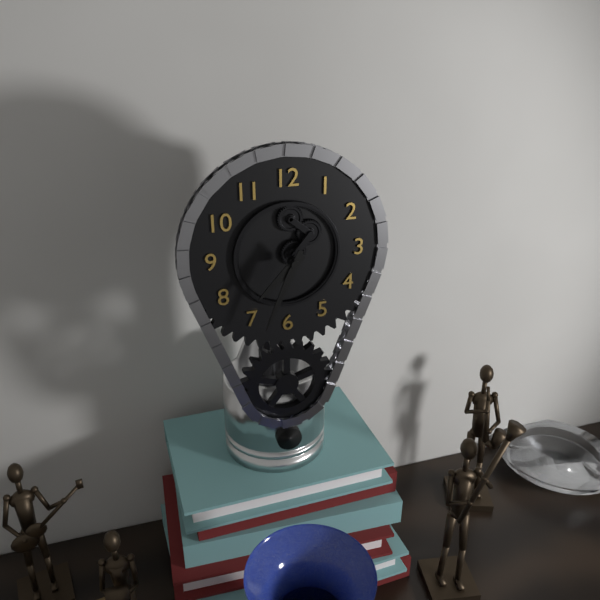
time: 7:34
